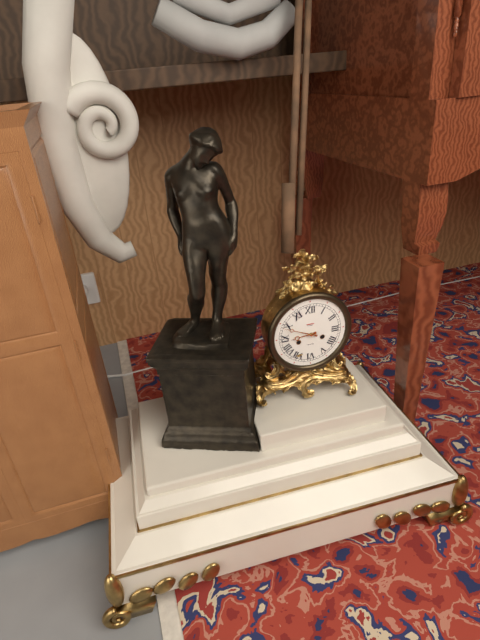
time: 8:49
